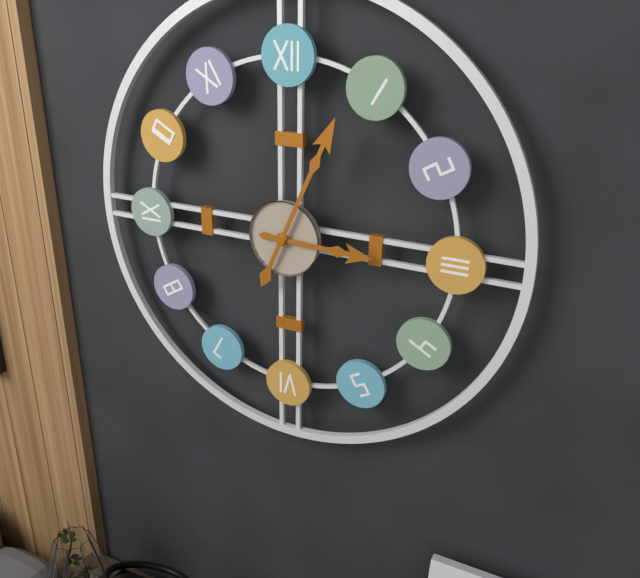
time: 3:04
